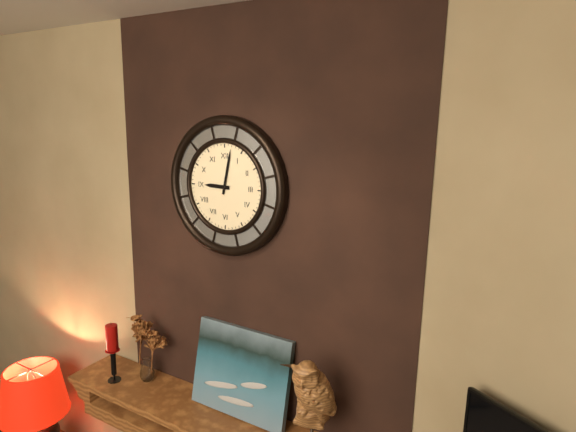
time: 9:02
